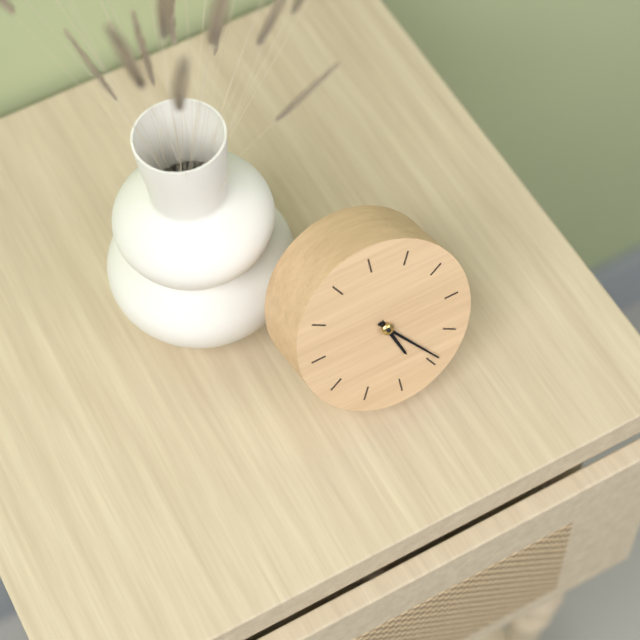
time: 5:24
